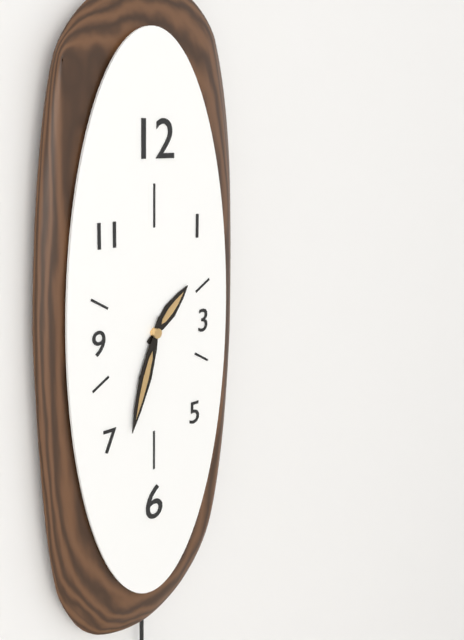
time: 1:33
